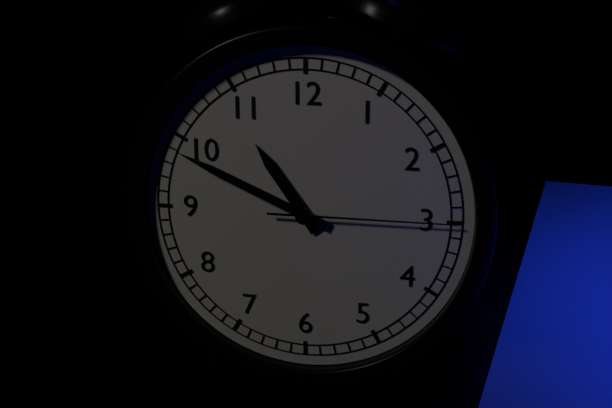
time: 10:49:15
